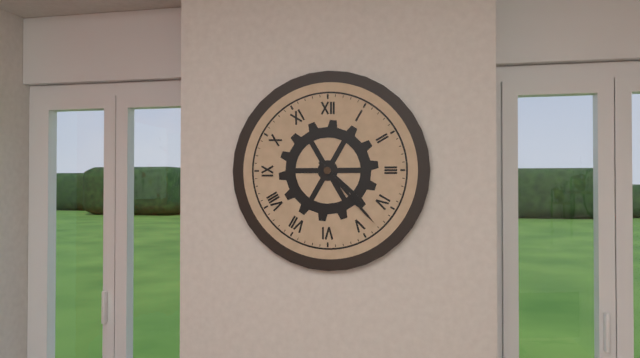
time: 4:23
